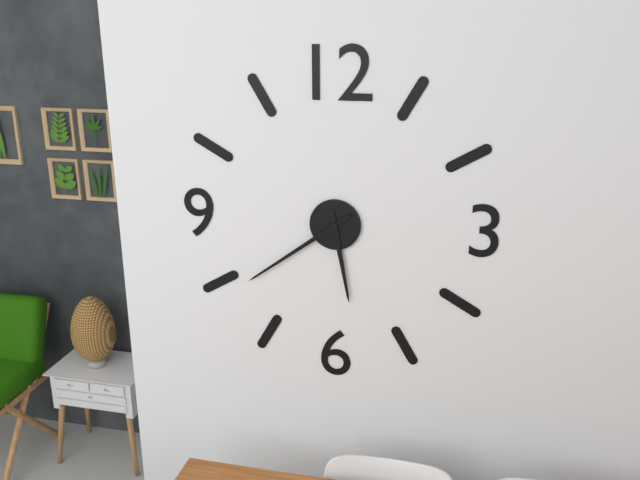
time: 5:39
